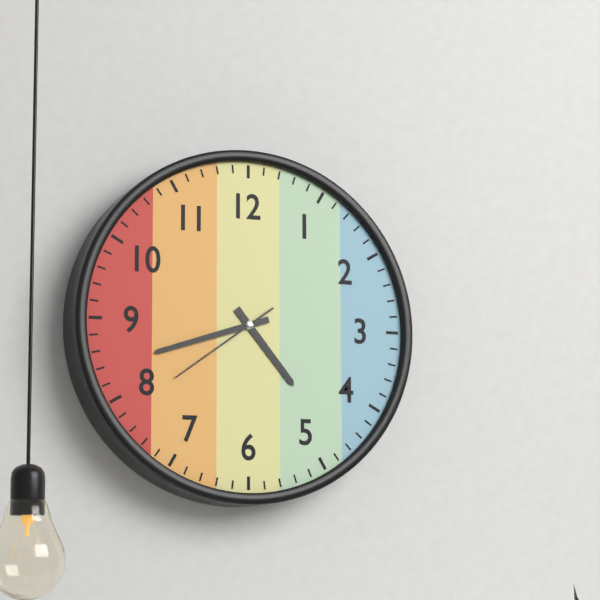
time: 4:42:39
